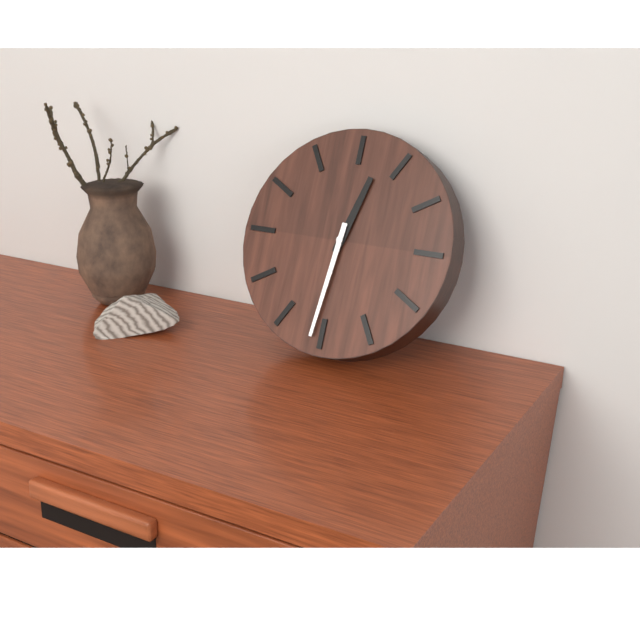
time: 12:31
